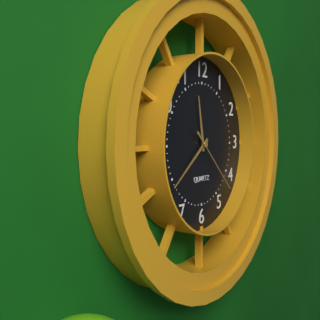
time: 11:39:22
